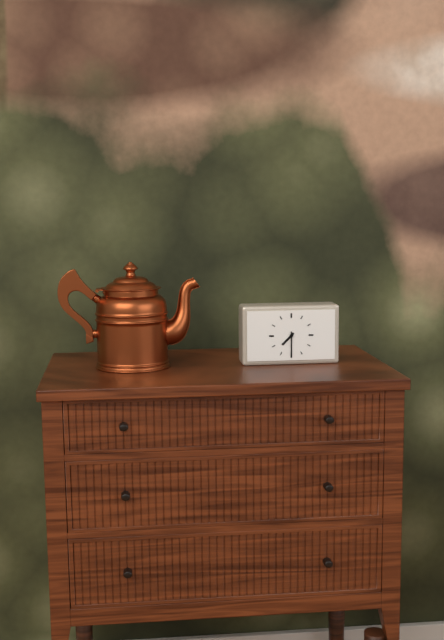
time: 7:30
